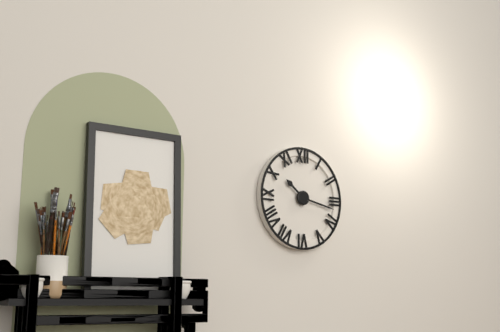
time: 10:17
